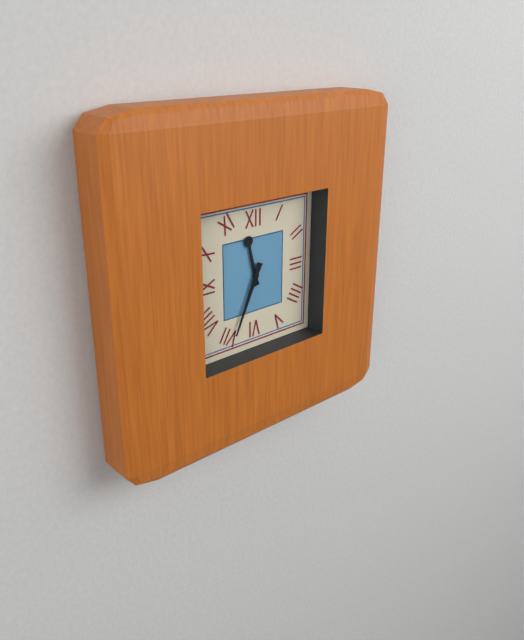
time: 11:34
